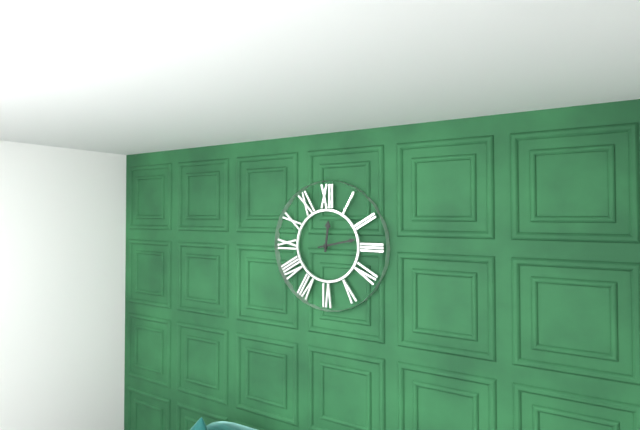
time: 12:13
